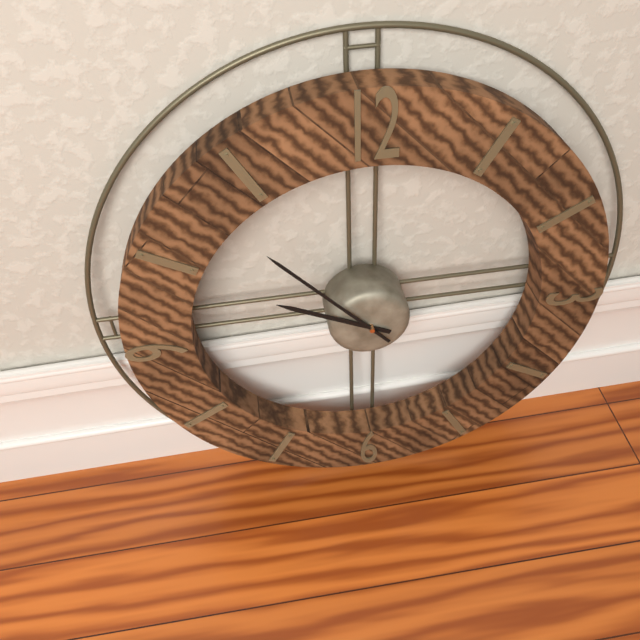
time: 9:53
